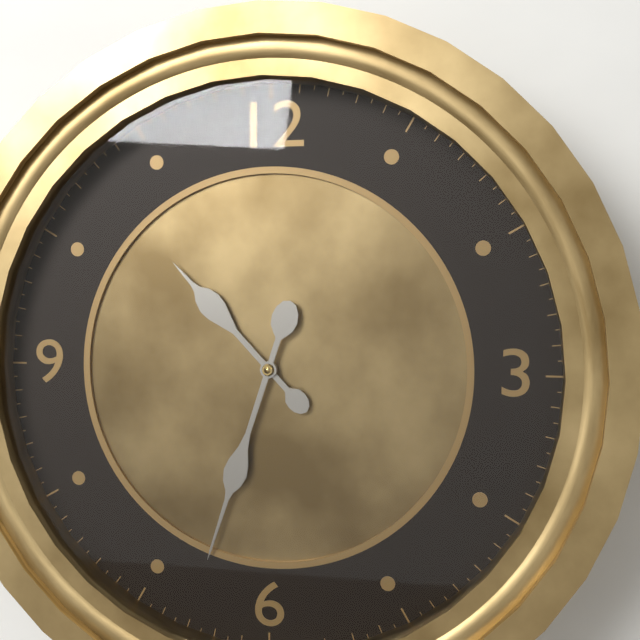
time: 10:33
